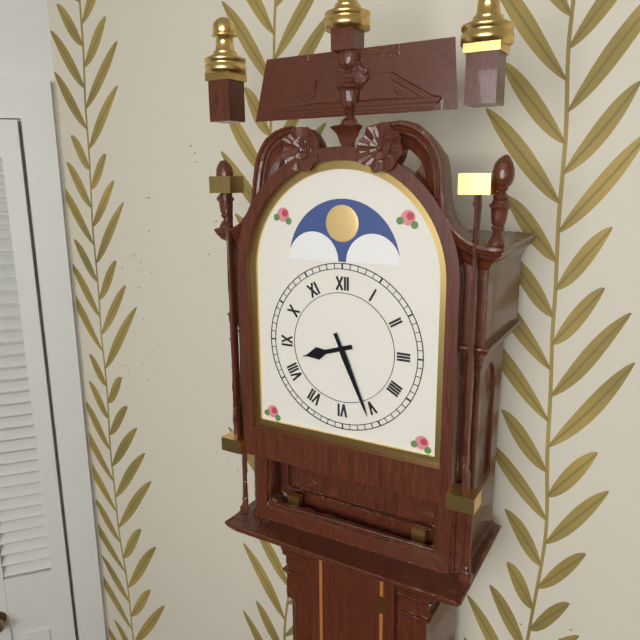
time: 8:26
